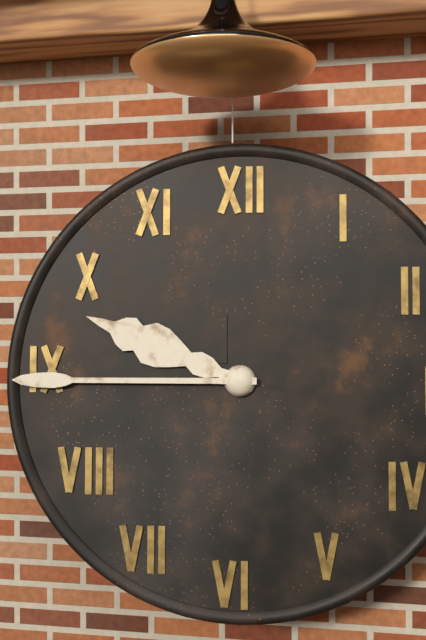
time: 9:45
